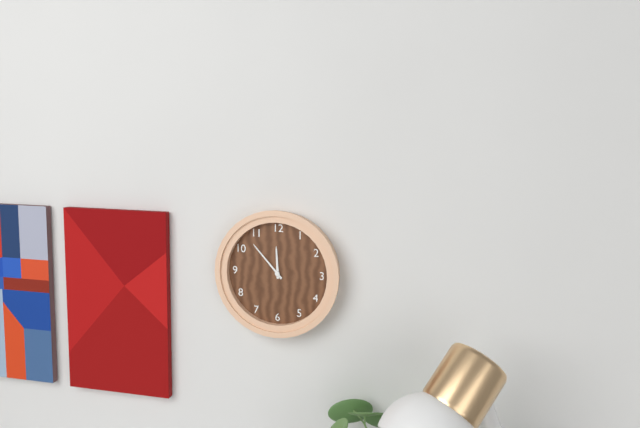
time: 11:53
